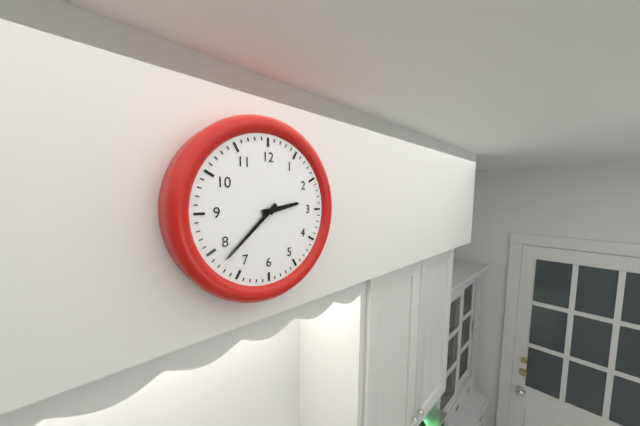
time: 2:38
